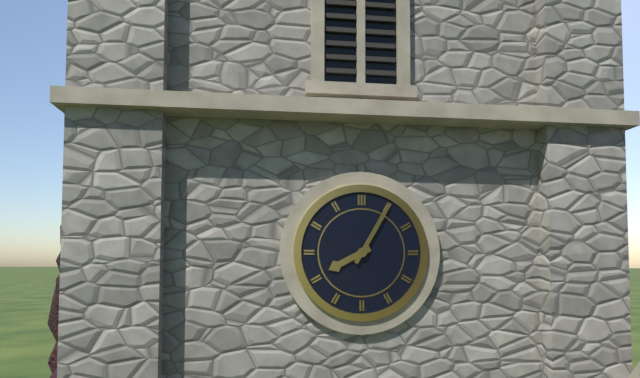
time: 8:05
